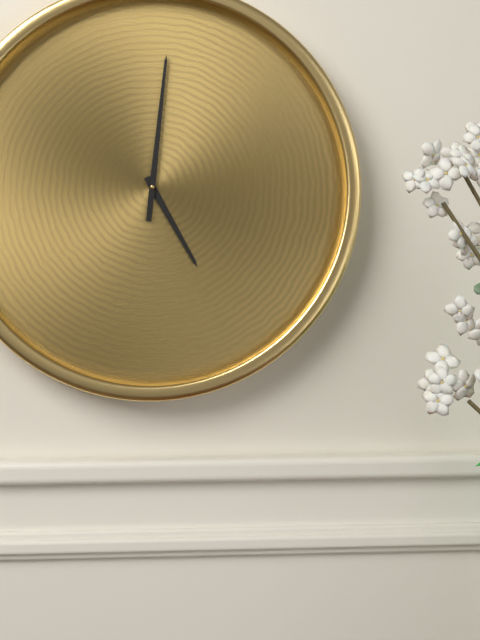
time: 5:01
